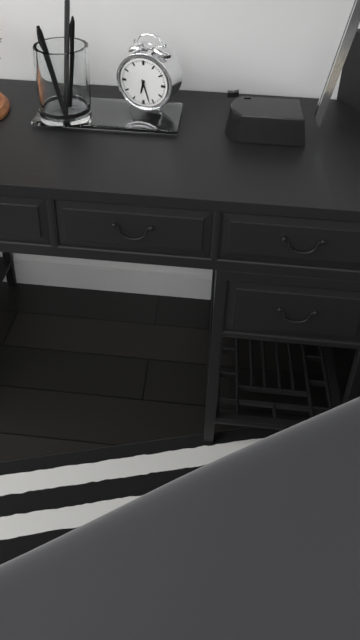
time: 6:27
